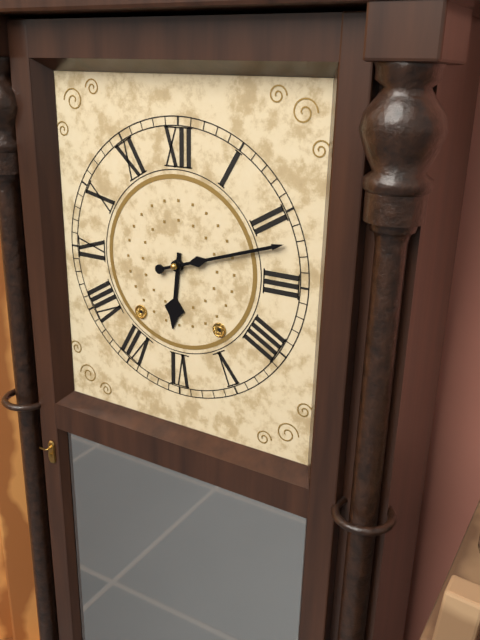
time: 6:12
